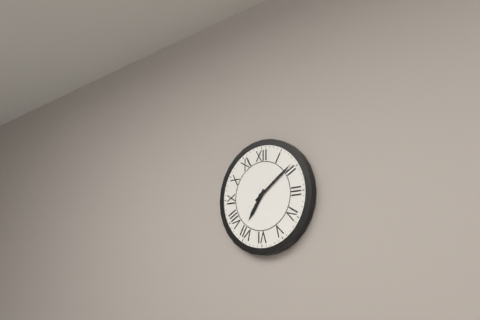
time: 7:09
